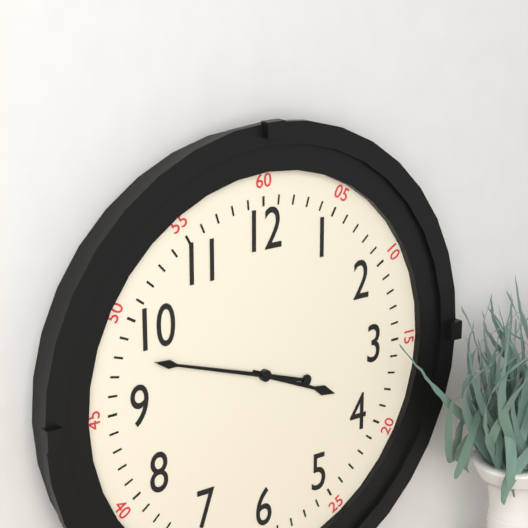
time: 3:48
